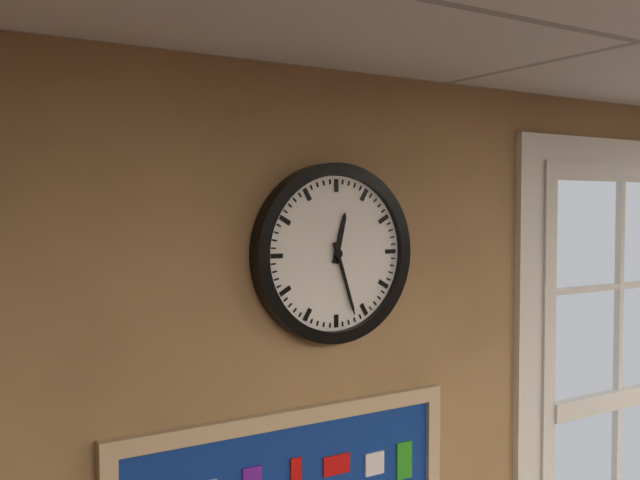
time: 12:27
